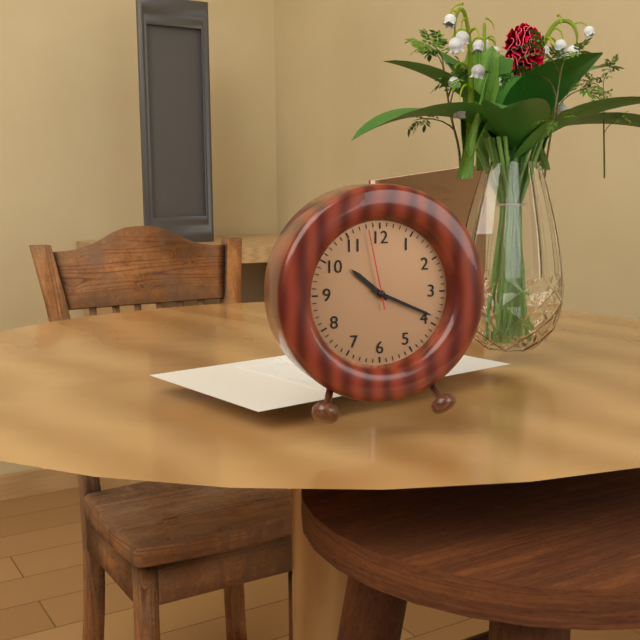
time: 10:19:58
